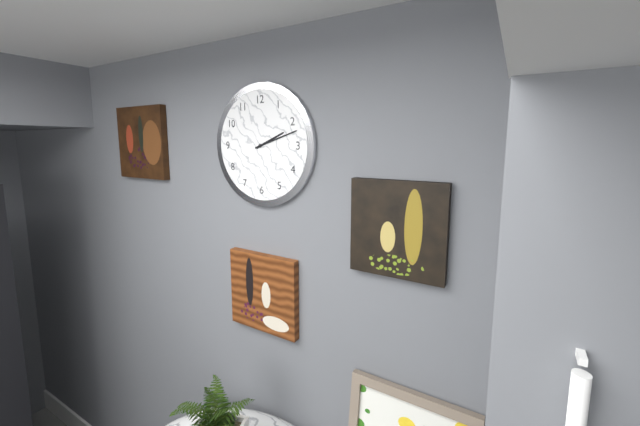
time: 2:12
